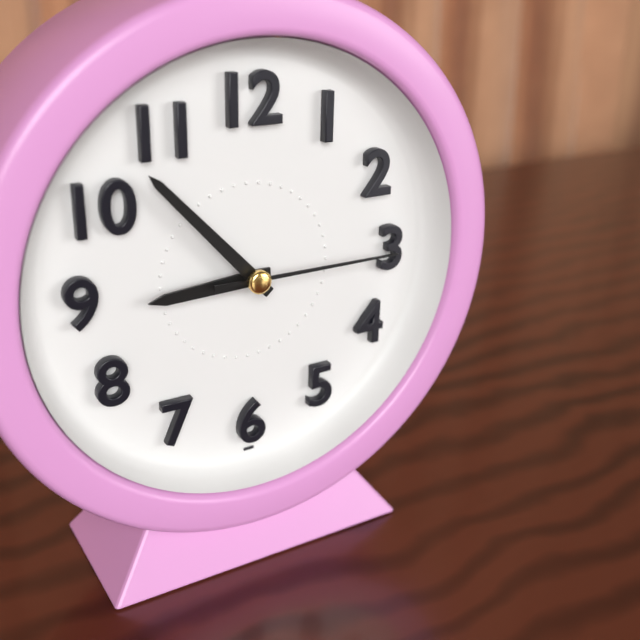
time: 8:53:15
